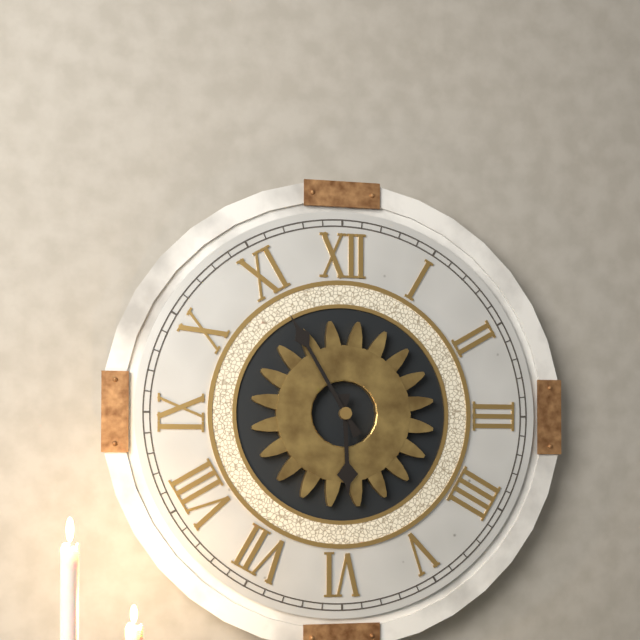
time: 5:55
